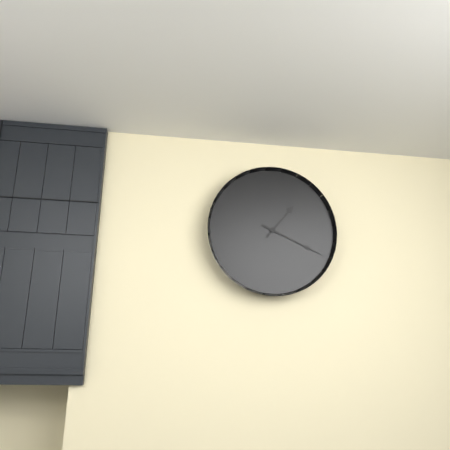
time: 1:19
